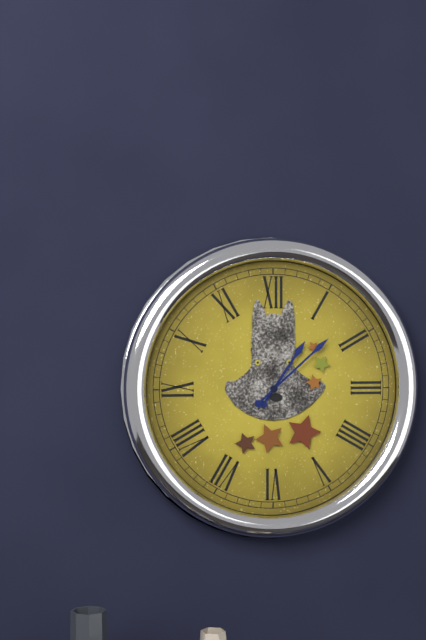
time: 1:08
